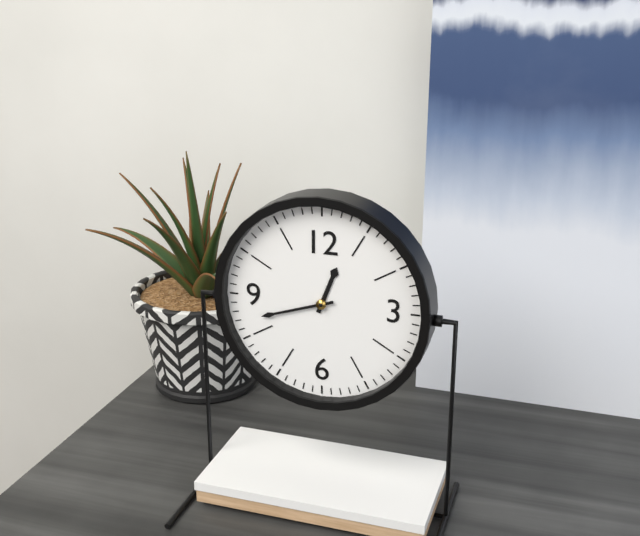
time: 12:42
